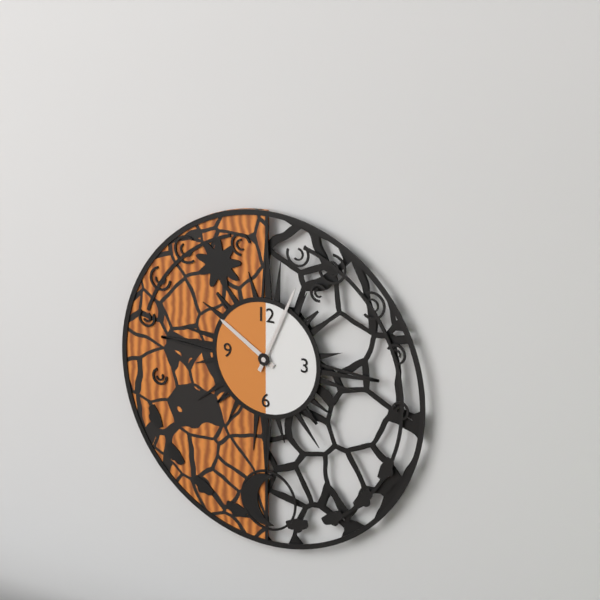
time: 10:04
